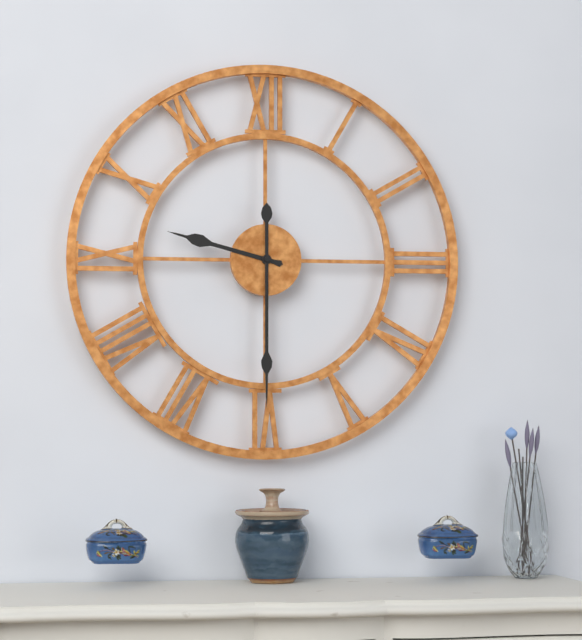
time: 9:30
